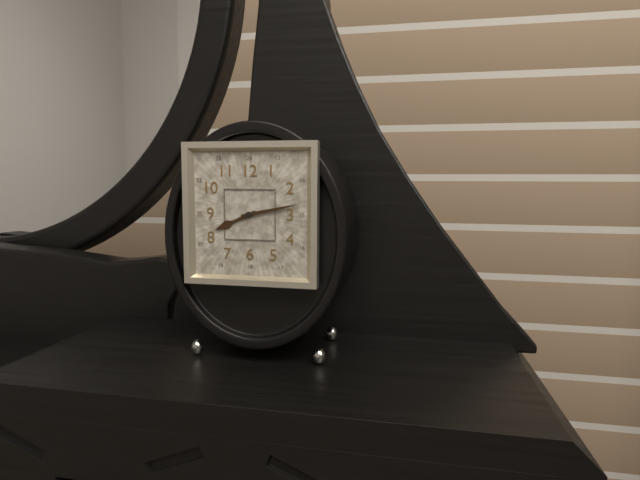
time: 8:13
